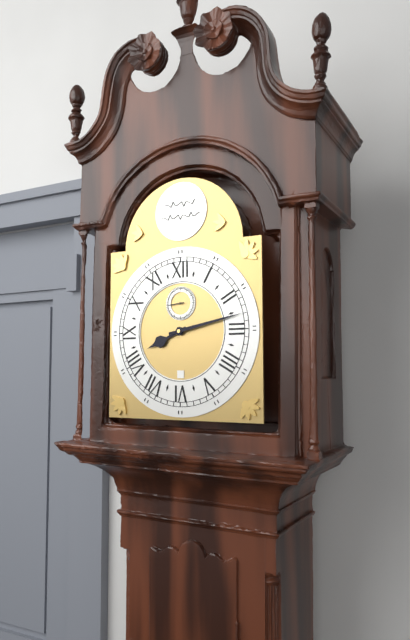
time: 8:13
